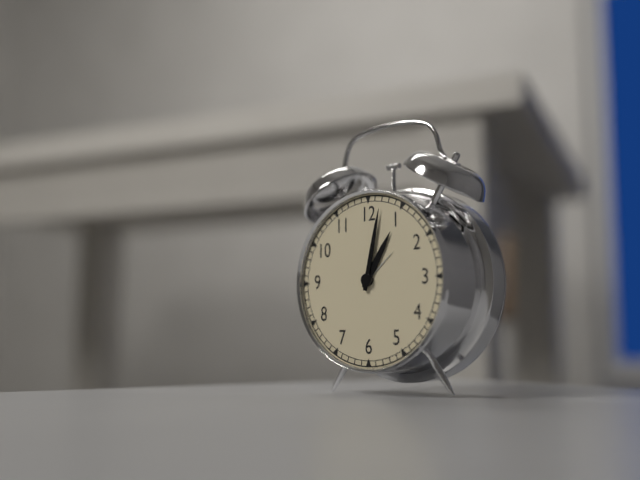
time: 1:02
